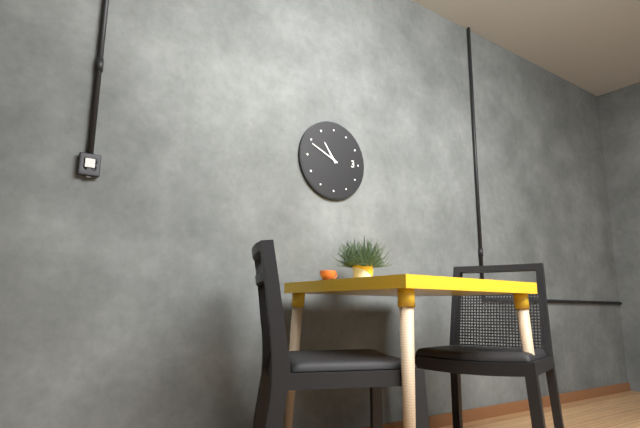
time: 10:49
